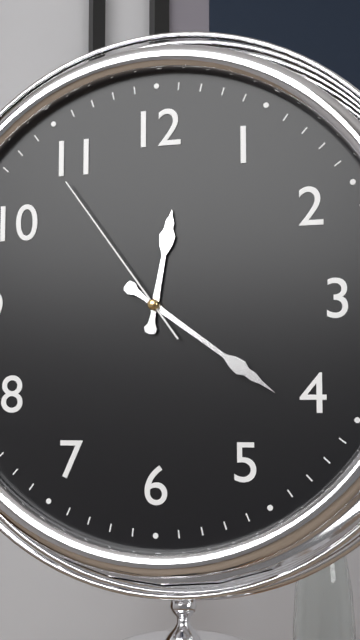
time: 12:21:54
